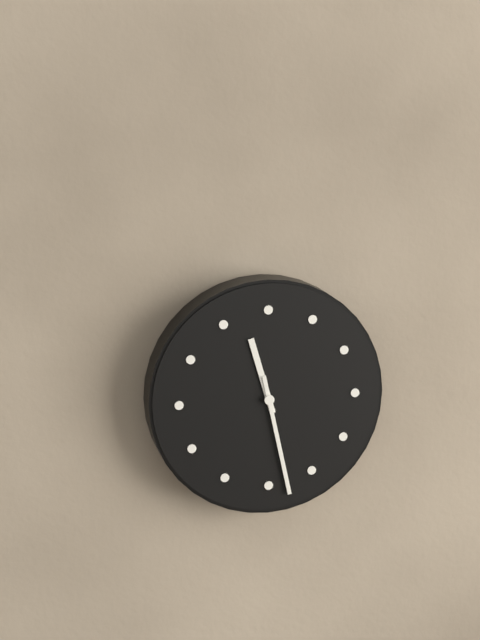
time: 11:28
